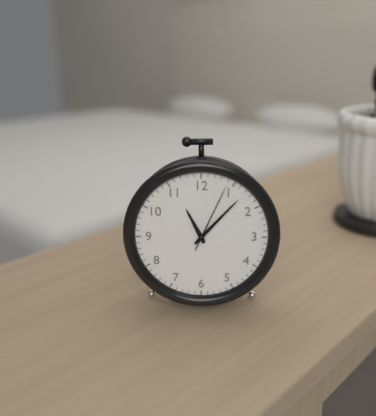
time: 11:07:04
